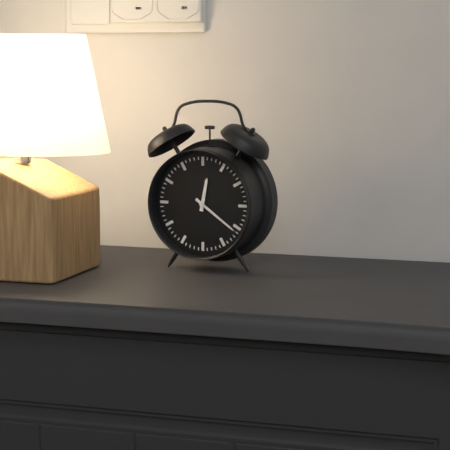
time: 12:21
